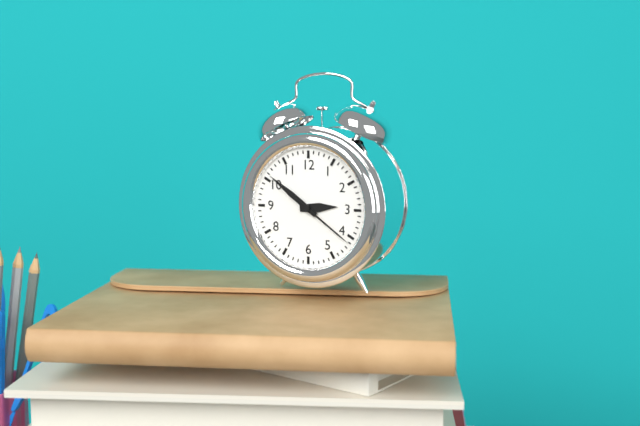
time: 2:51:21
